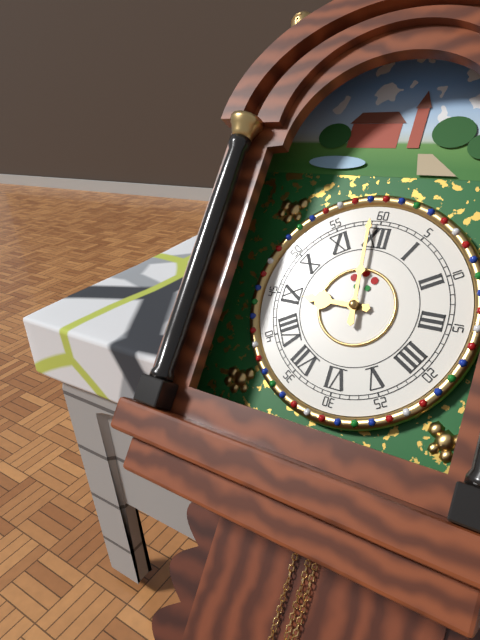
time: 8:59
